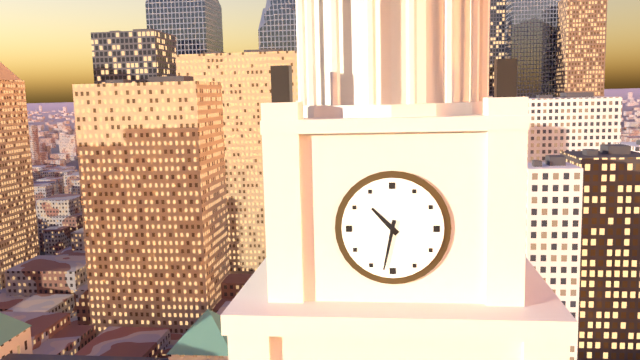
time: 10:32
